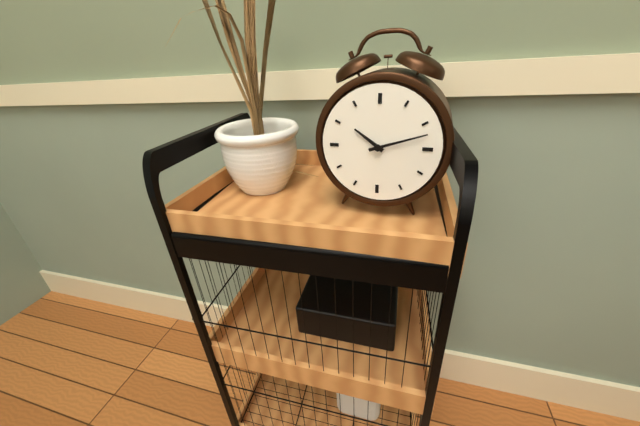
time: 10:12
